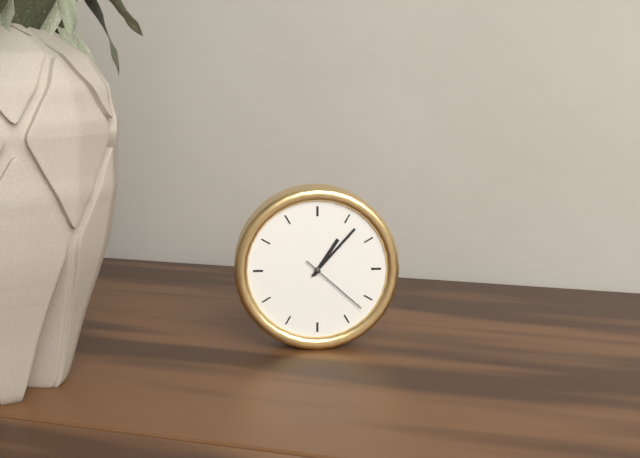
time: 1:07:22
